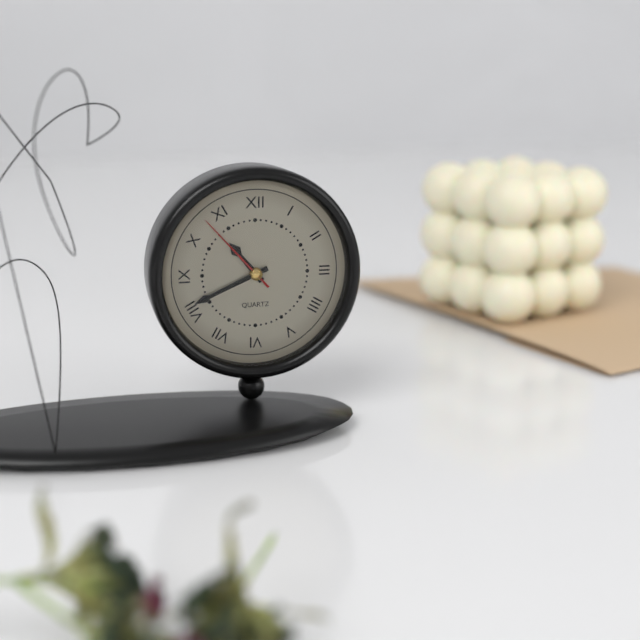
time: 10:41:53
